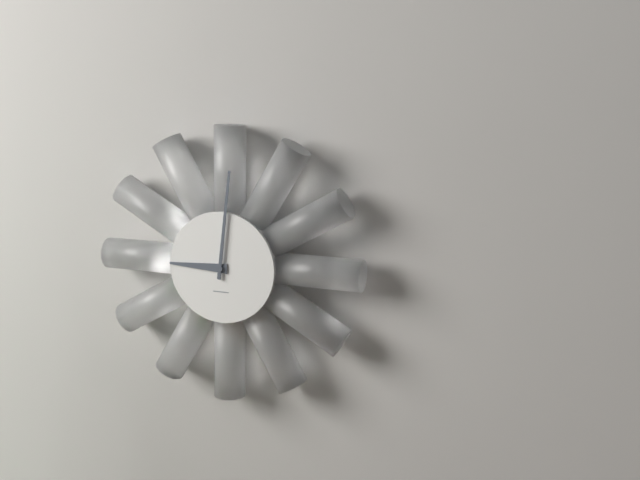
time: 9:01
